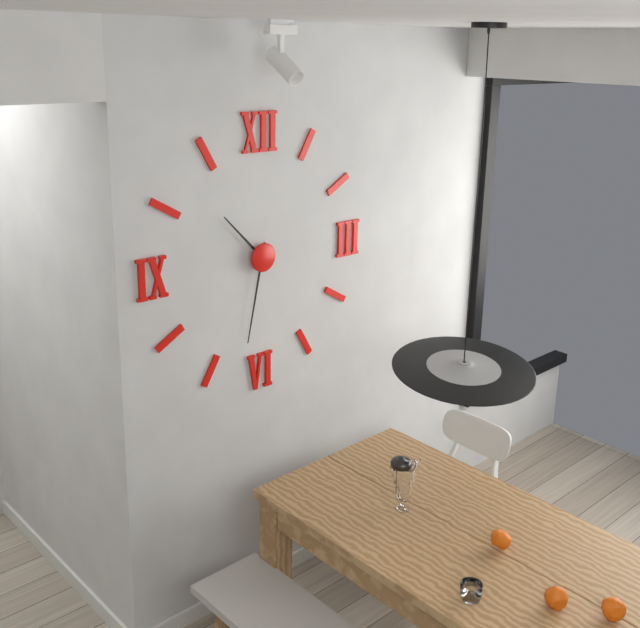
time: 10:32
